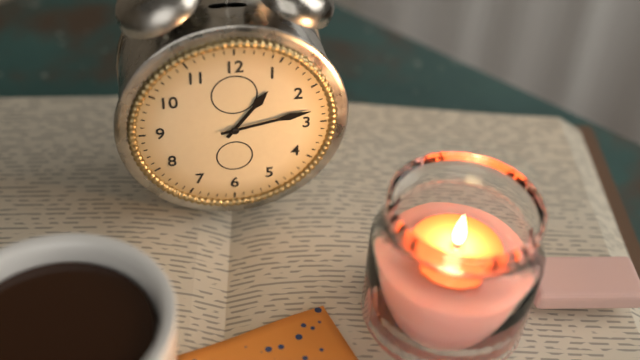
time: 1:13
